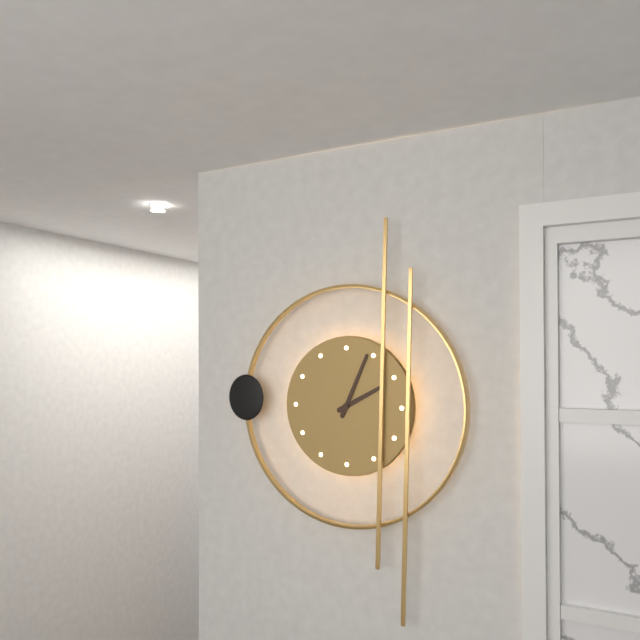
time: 2:04
